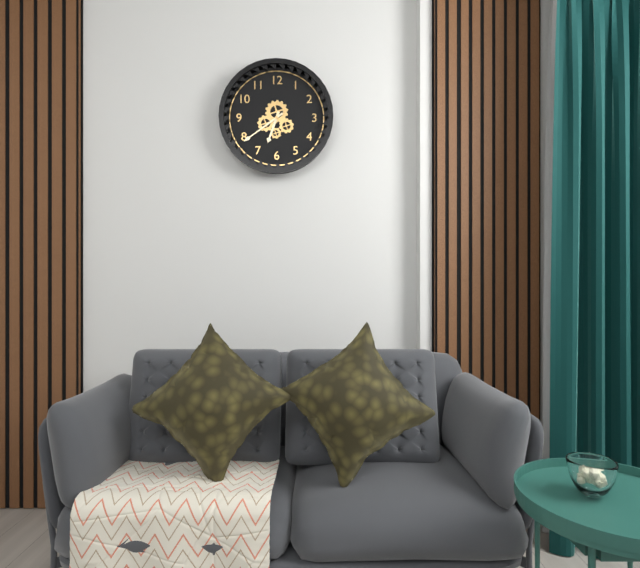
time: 6:39
